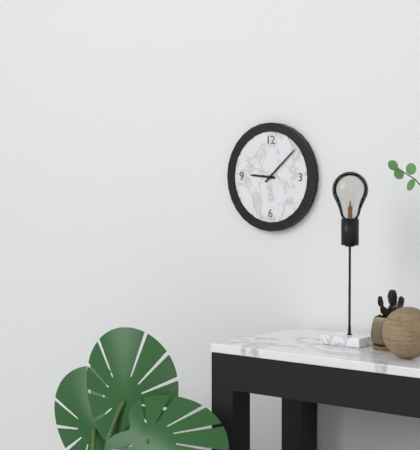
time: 9:08
